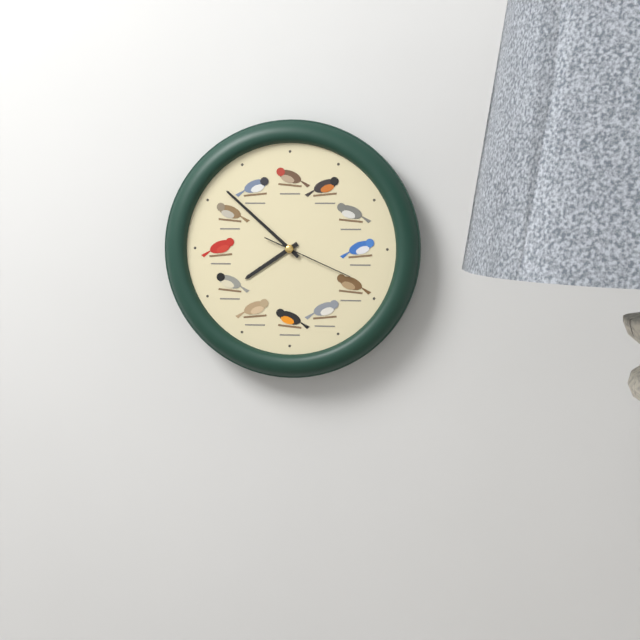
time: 7:52:19
